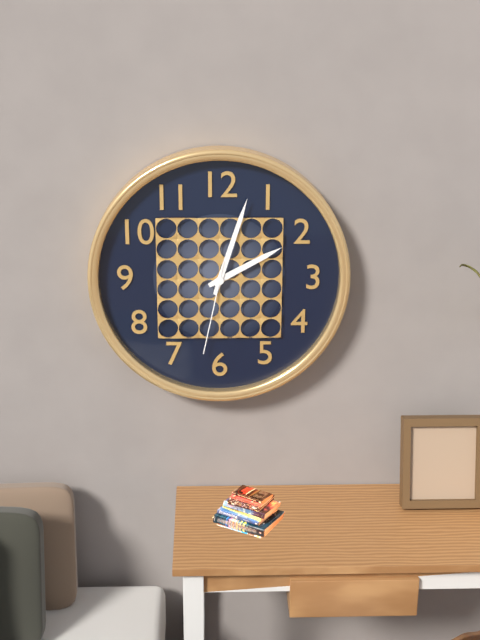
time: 2:03:32
